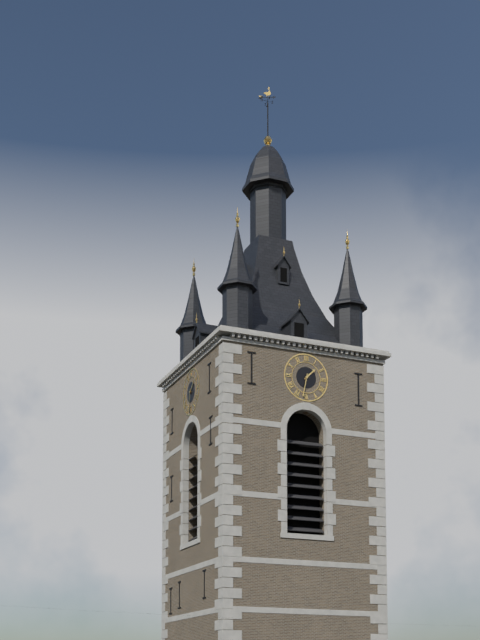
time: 1:32
